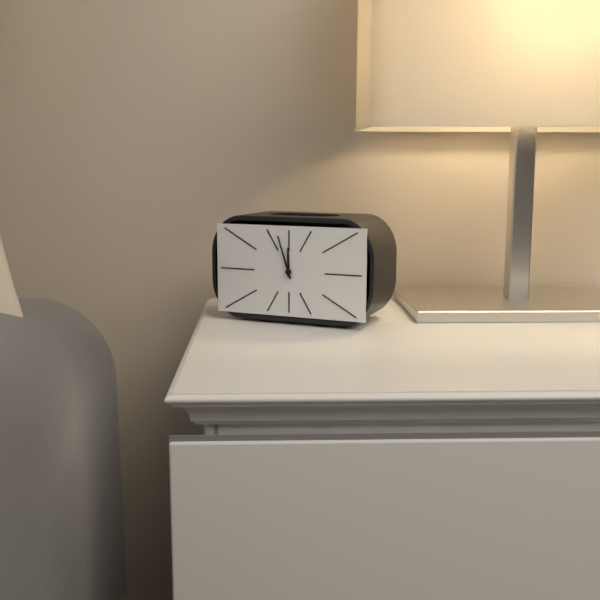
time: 11:57
